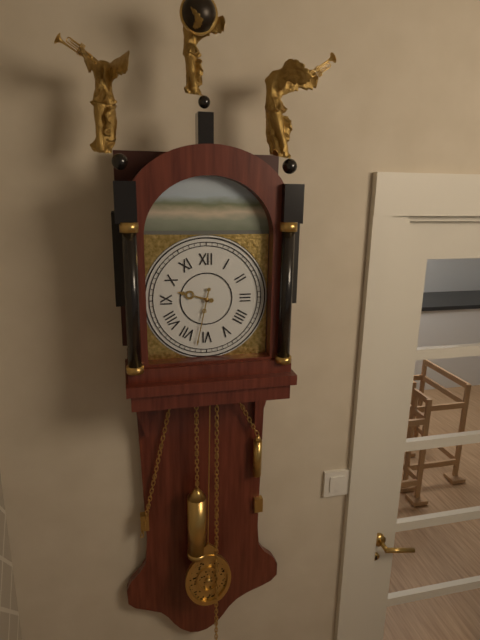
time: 9:32
